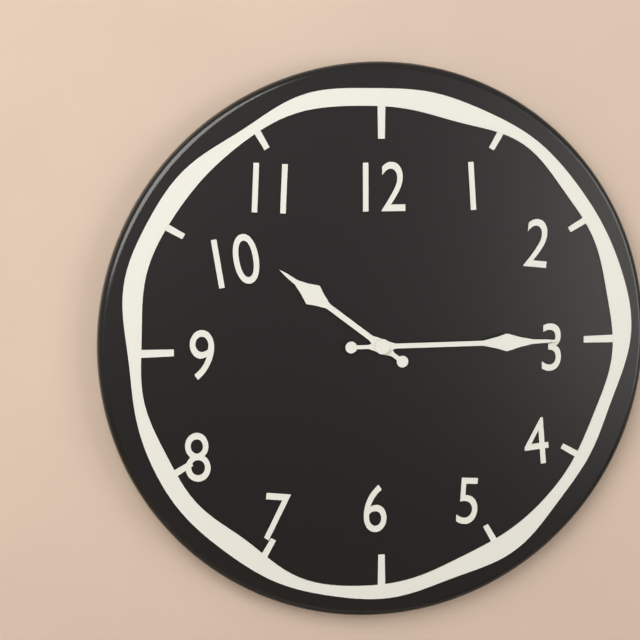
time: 10:15
